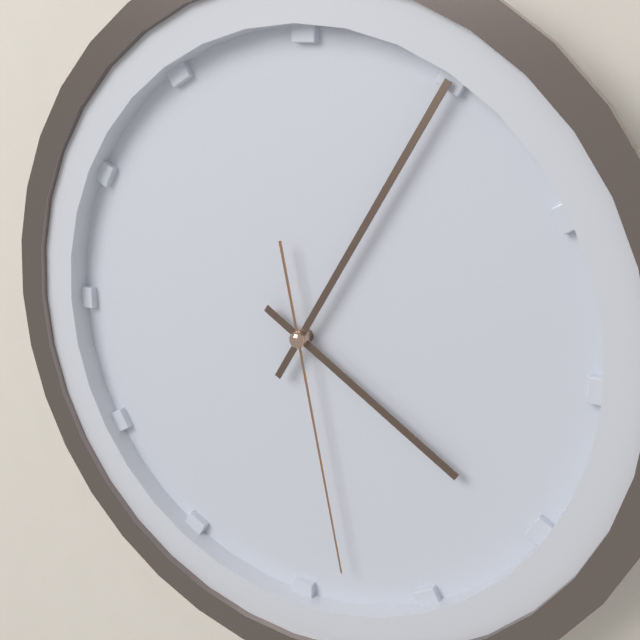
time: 4:05:28
